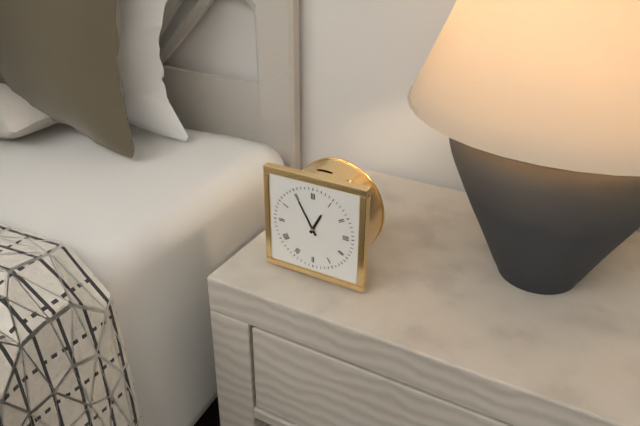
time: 12:55
